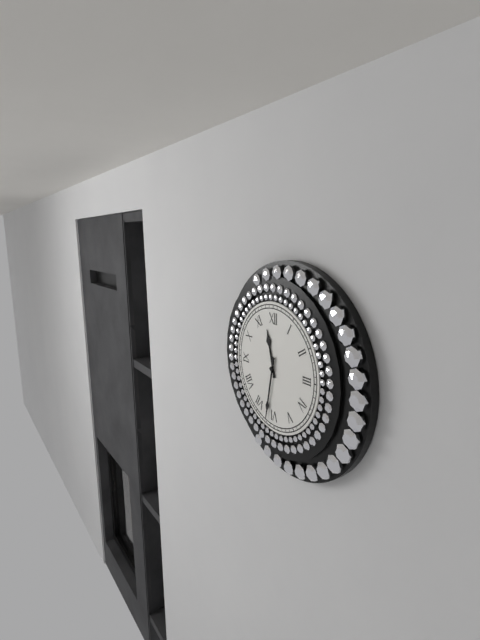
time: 11:32
